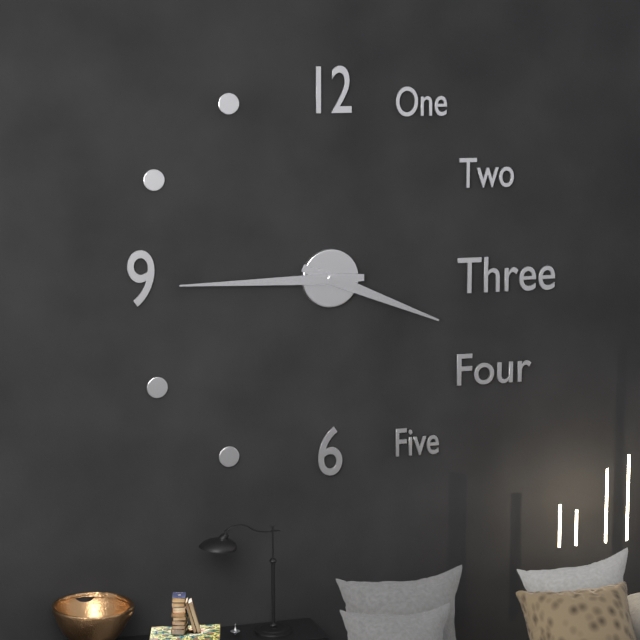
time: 3:45
